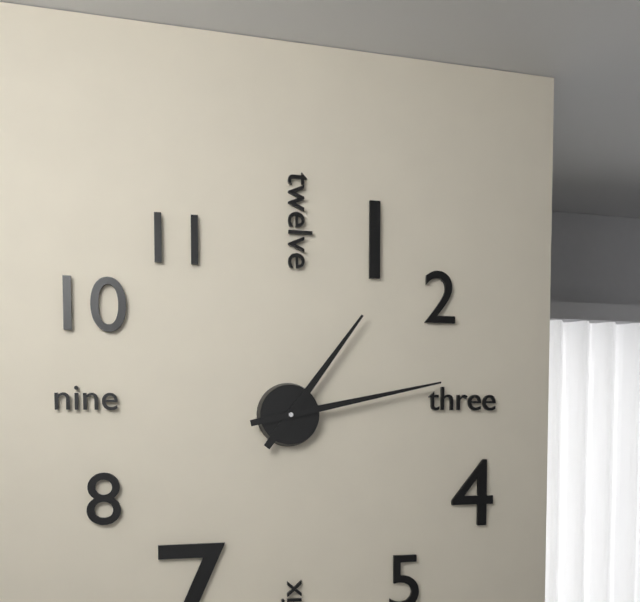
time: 1:13
